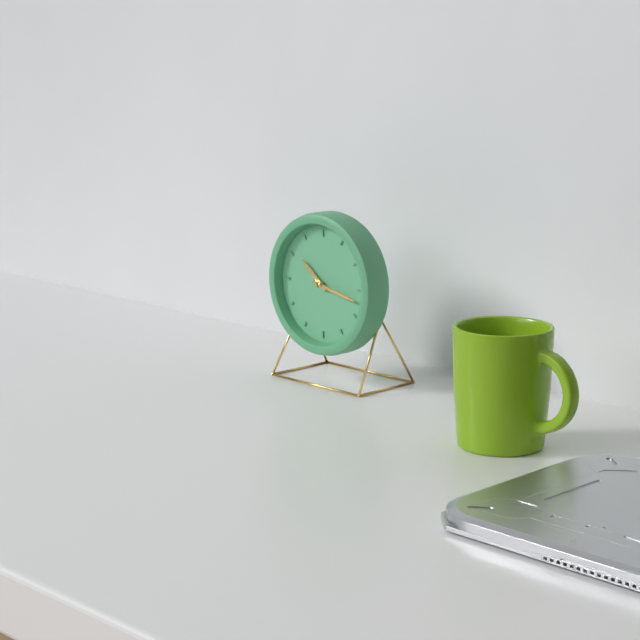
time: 10:17
